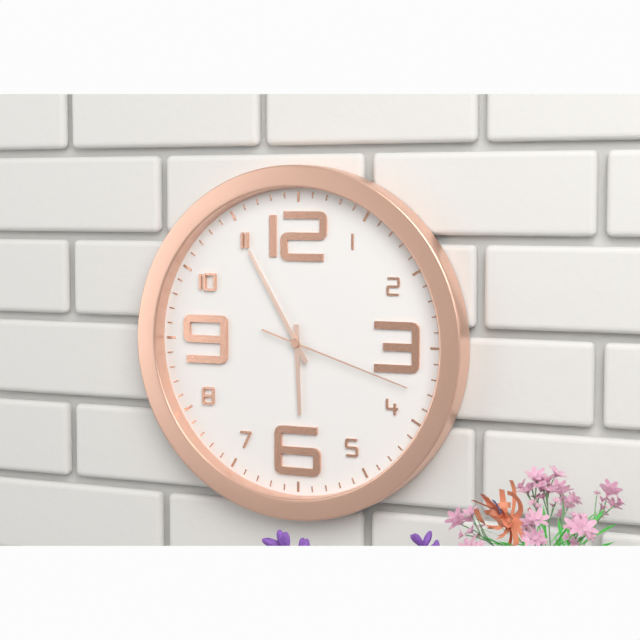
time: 5:55:18
